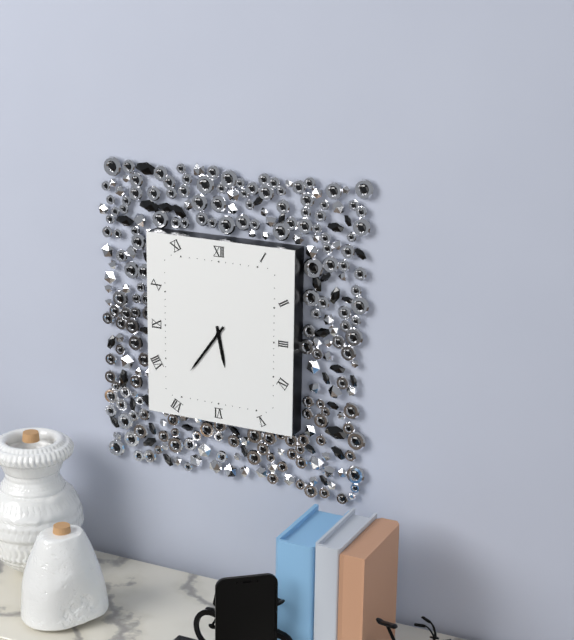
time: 5:36
